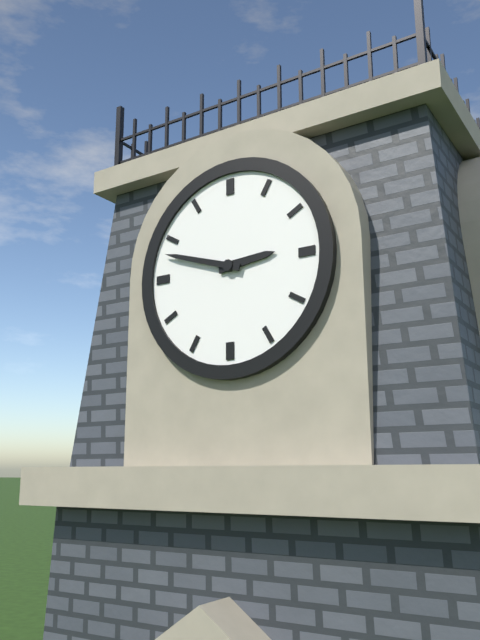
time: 2:48
